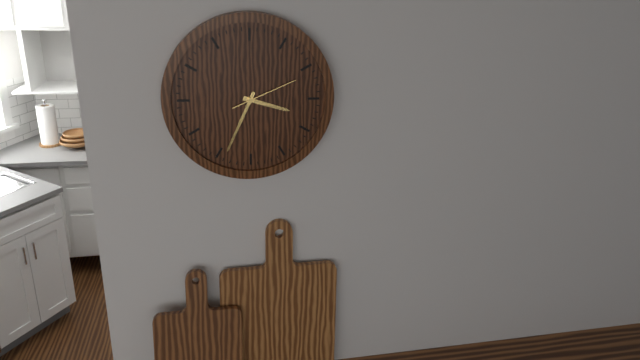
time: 3:34:11
